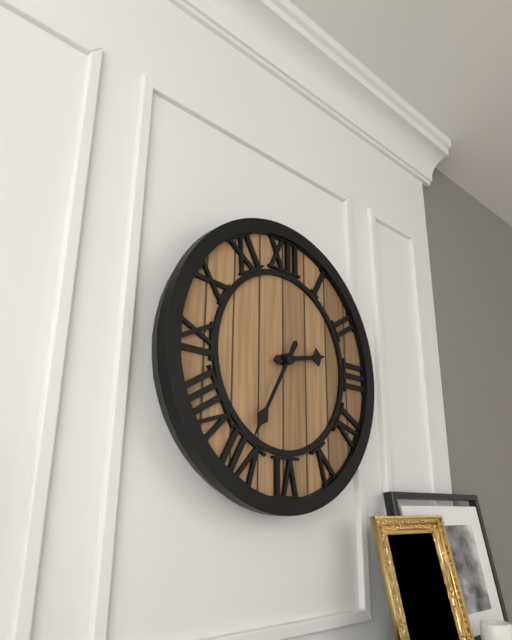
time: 2:35
